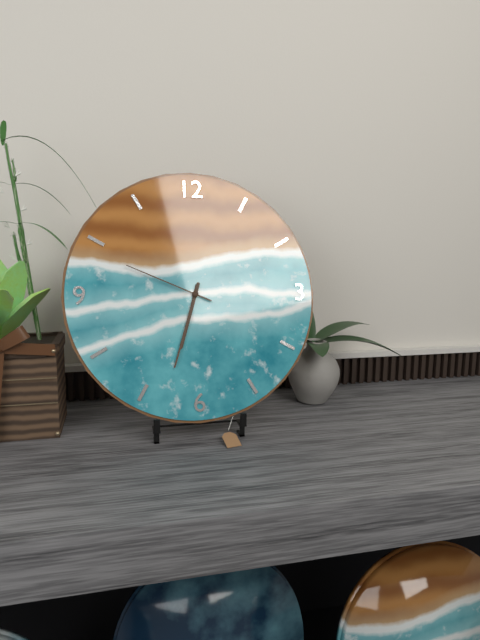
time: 6:33:49
